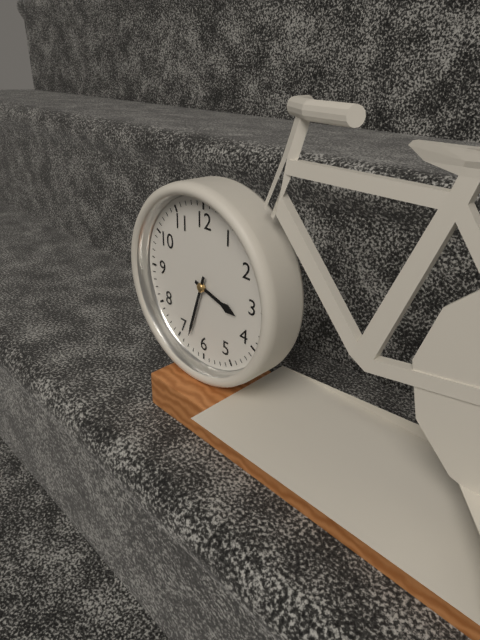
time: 3:33
